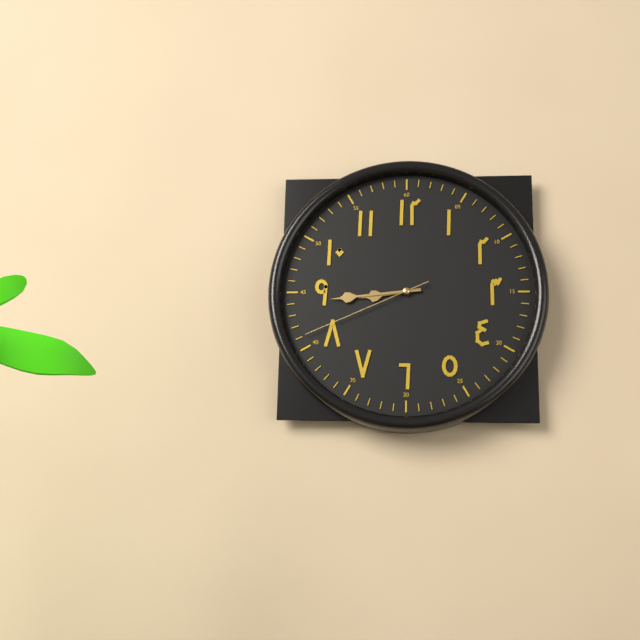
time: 8:44:41
